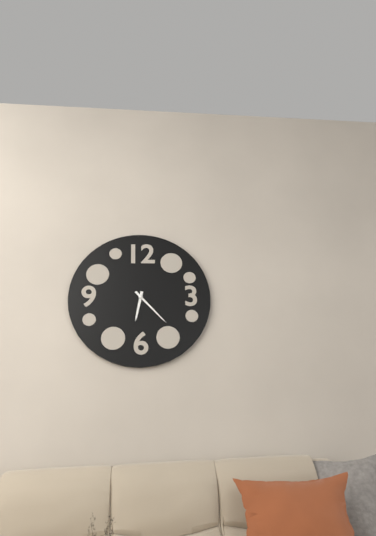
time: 6:23
